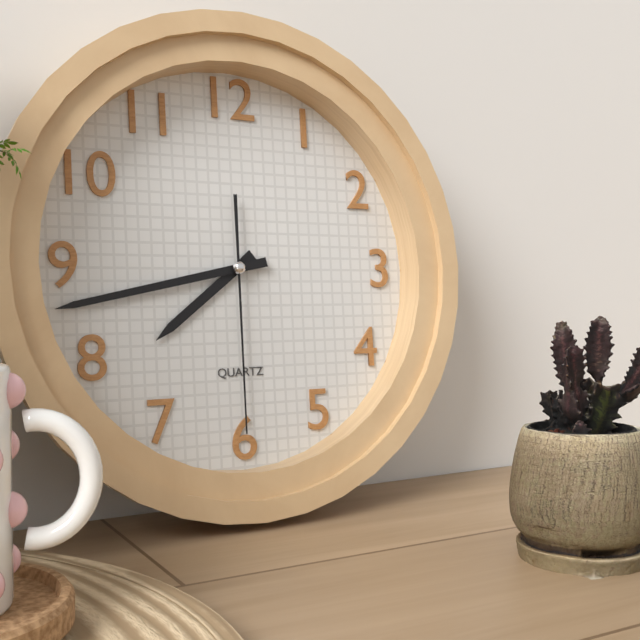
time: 7:43:30
